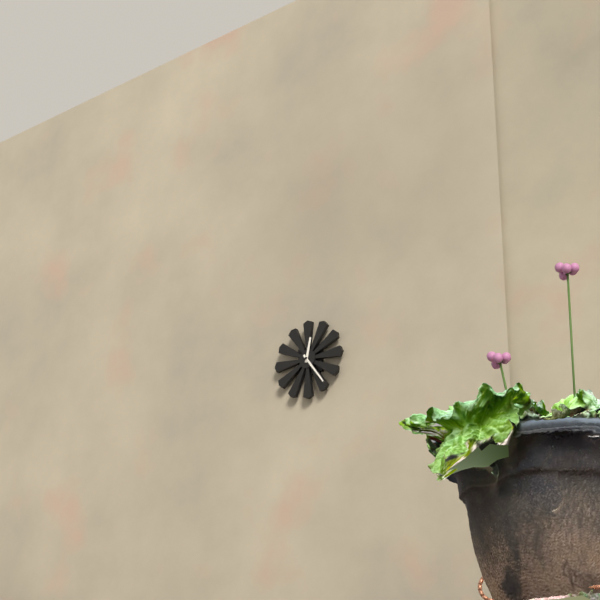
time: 12:24
